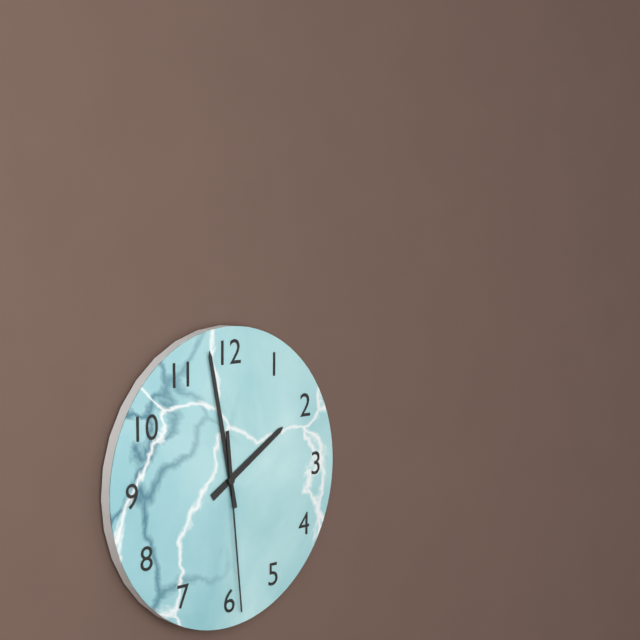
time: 1:58:29
